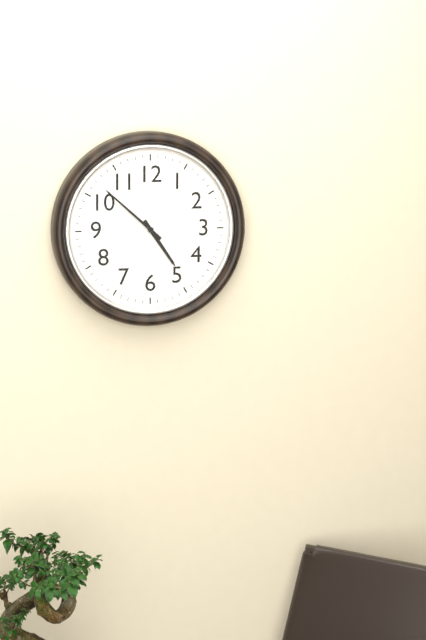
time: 4:52
